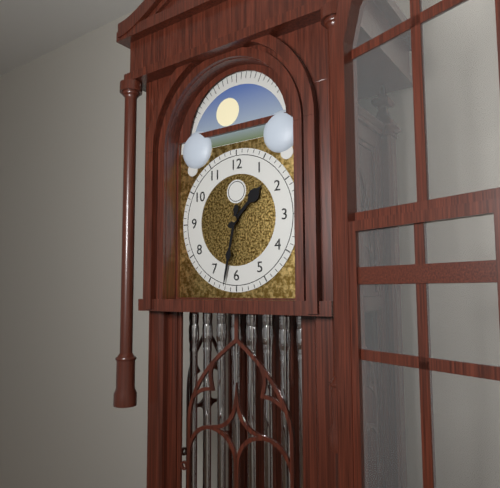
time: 1:32
